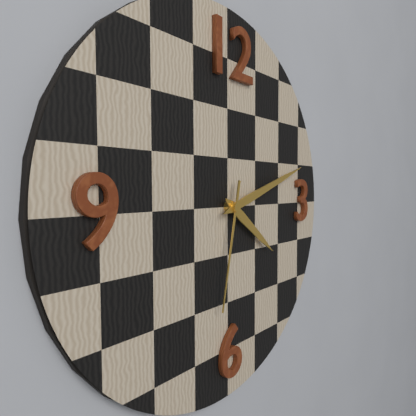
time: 4:12:32
